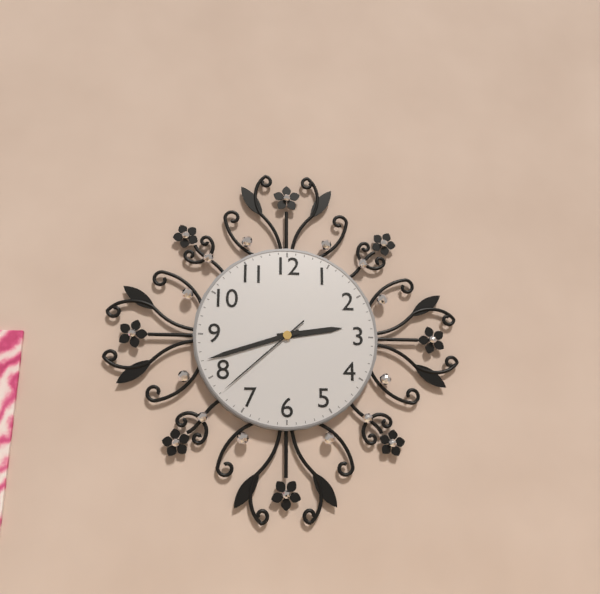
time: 2:42:38
